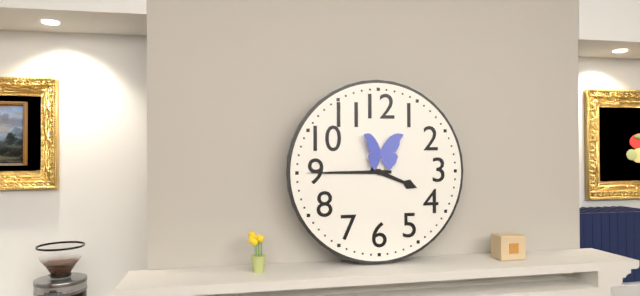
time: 3:45
